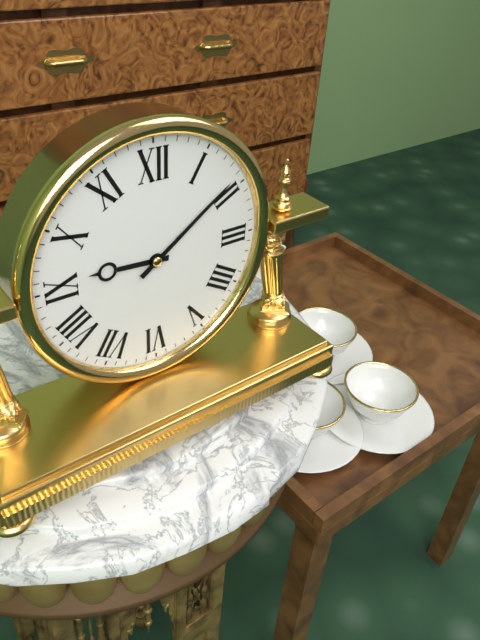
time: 9:09
